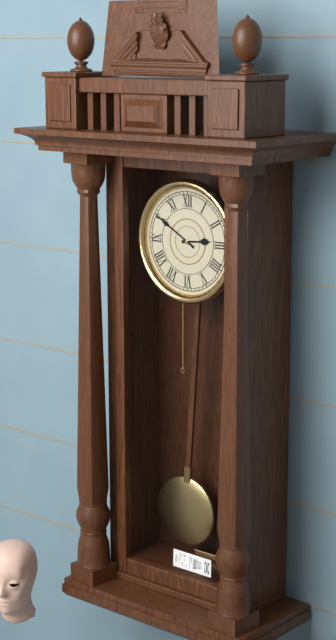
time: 2:50
